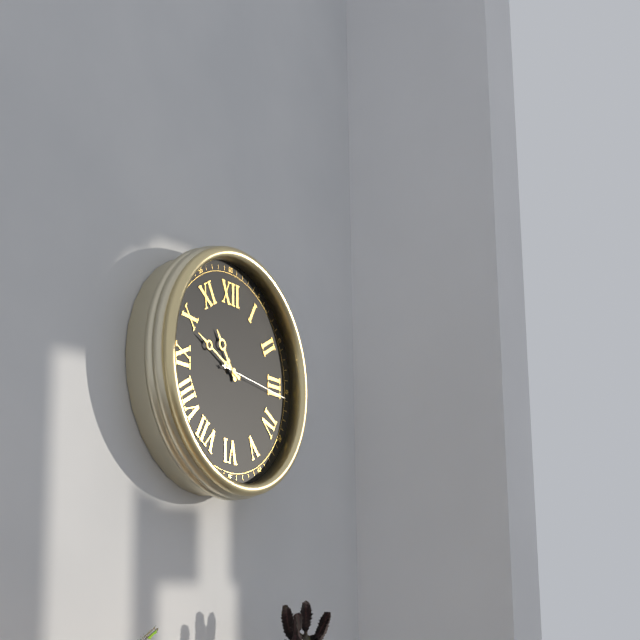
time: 10:49:16
